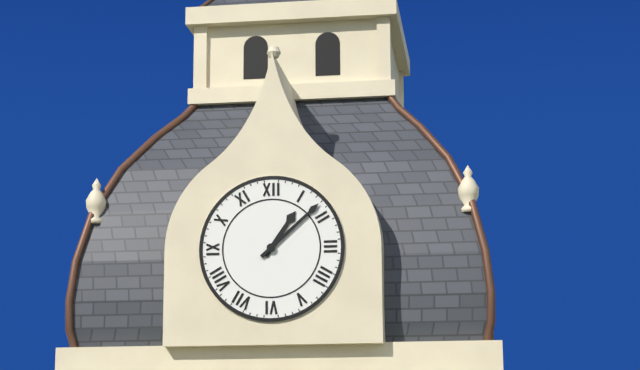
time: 1:08
